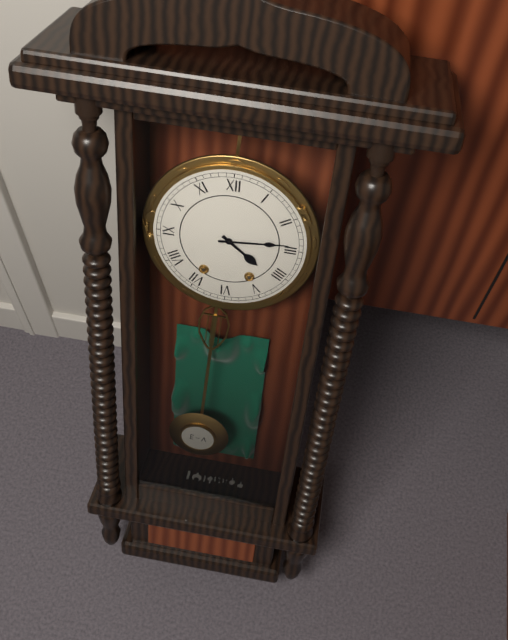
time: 4:14
